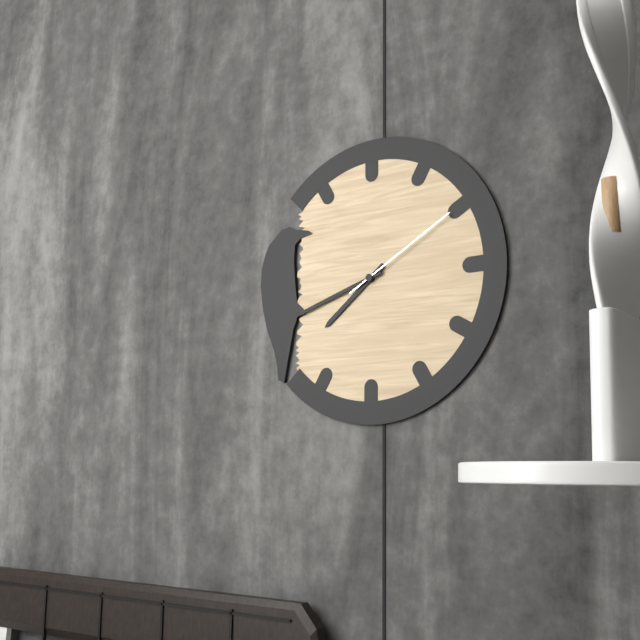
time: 7:42:10
